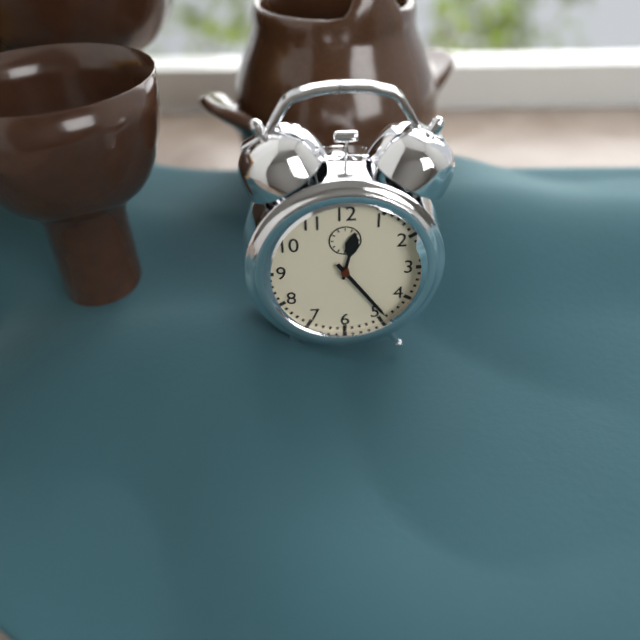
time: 12:24
